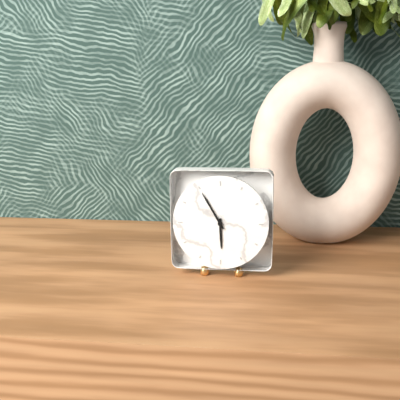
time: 5:55
